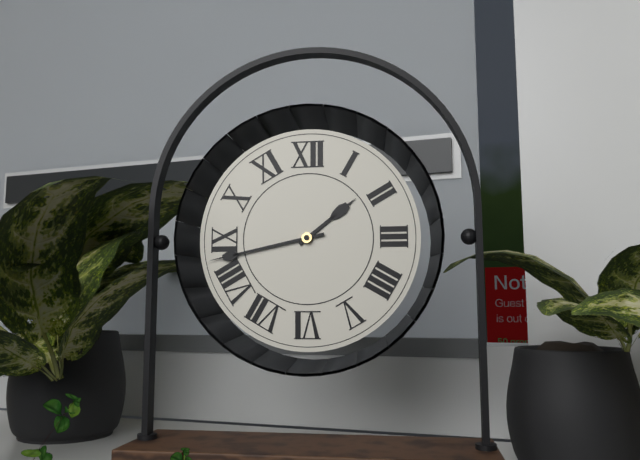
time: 1:43
